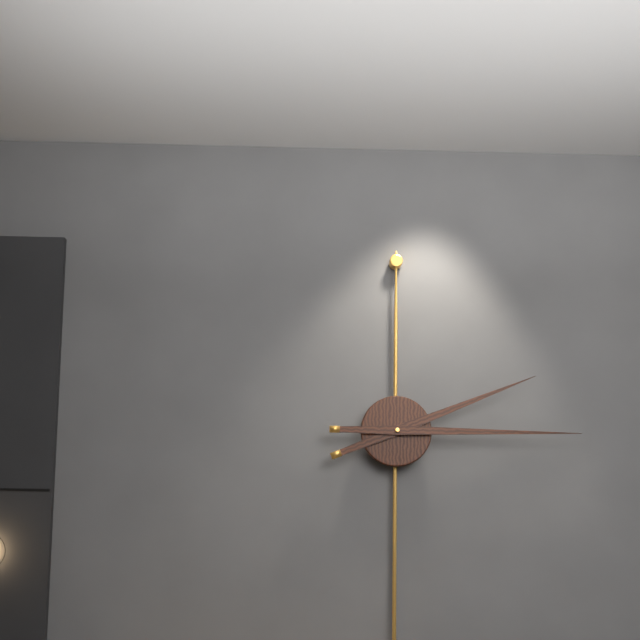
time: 2:15
